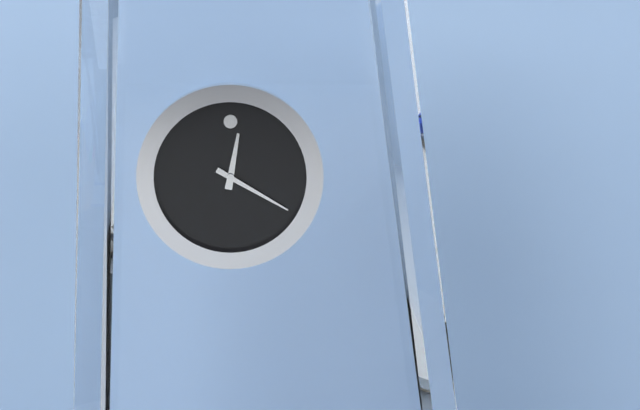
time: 12:20
